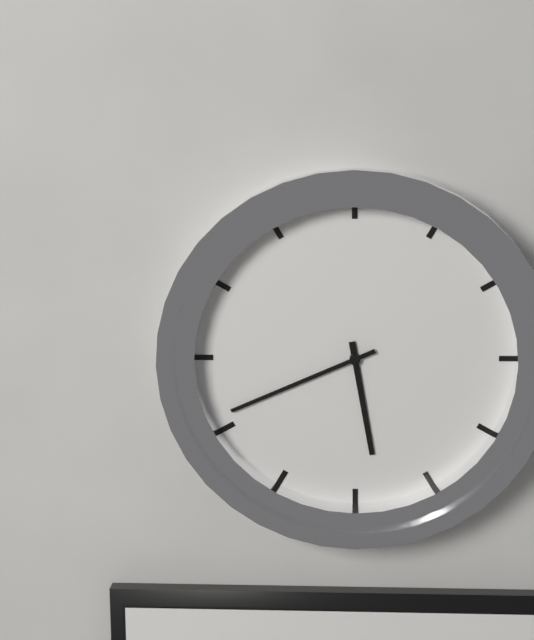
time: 5:41
